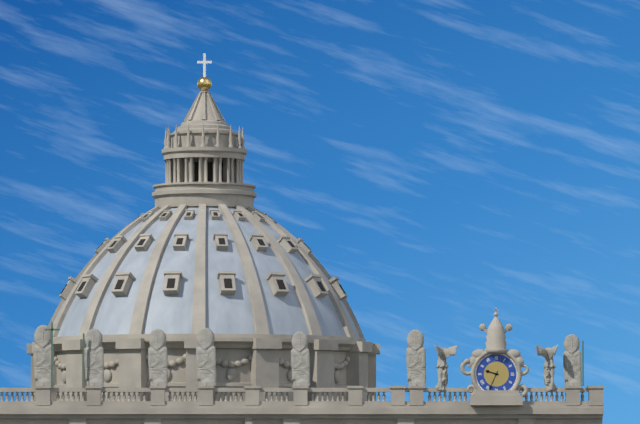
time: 9:34
